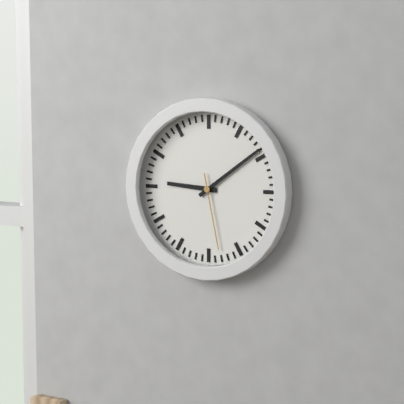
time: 9:09:28
